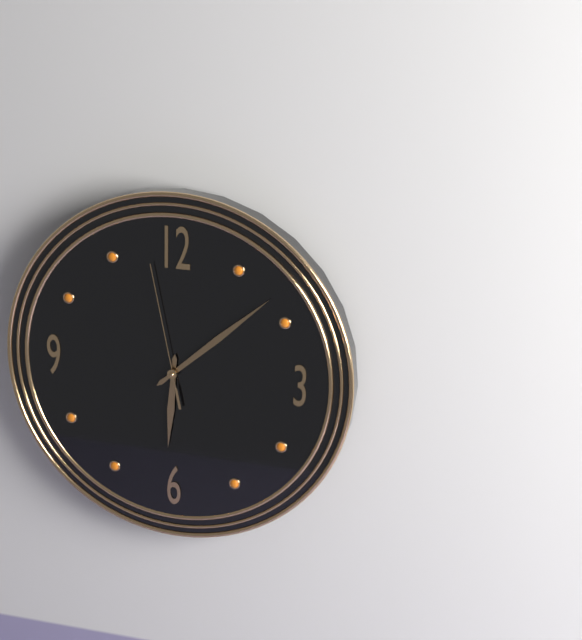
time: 6:08:58
